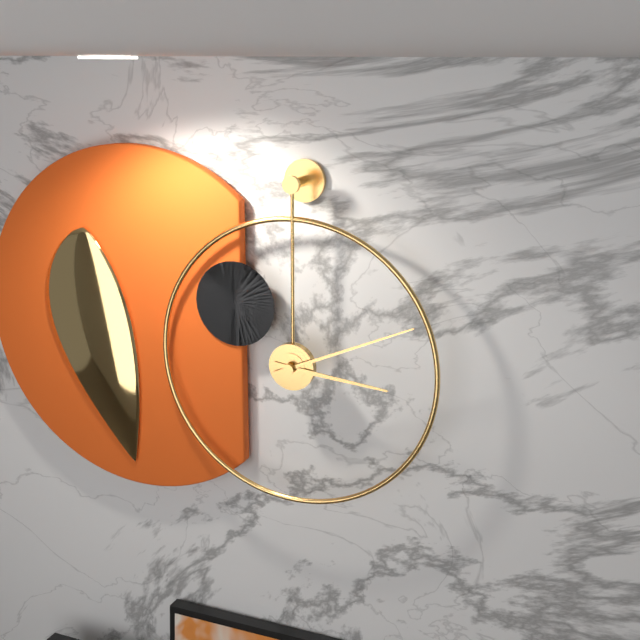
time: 3:11
